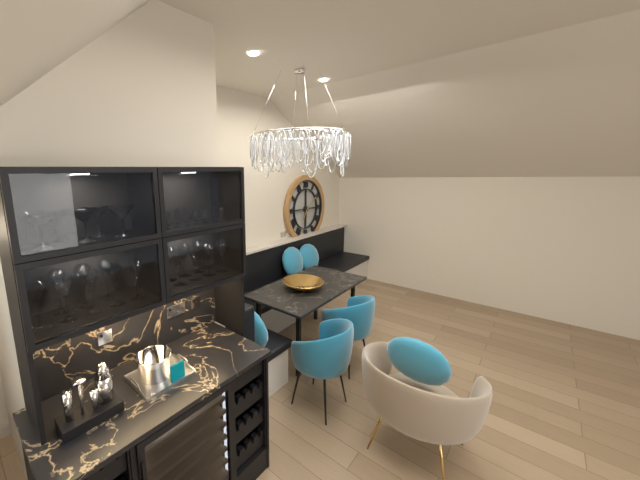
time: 7:09
